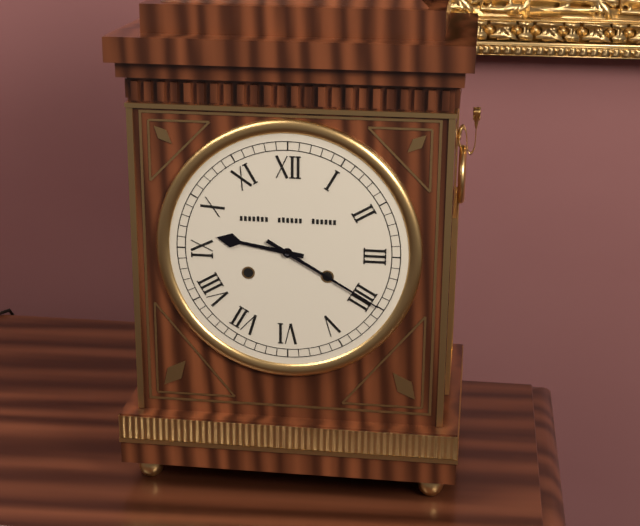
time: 9:20
